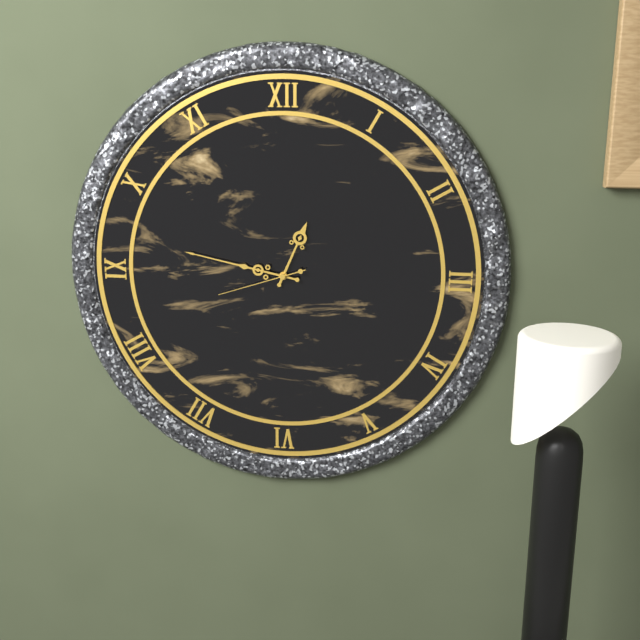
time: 12:47:42
